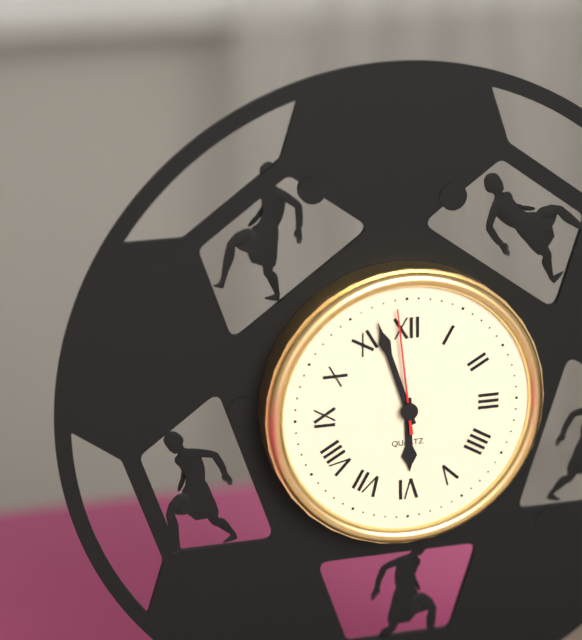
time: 5:57:59
